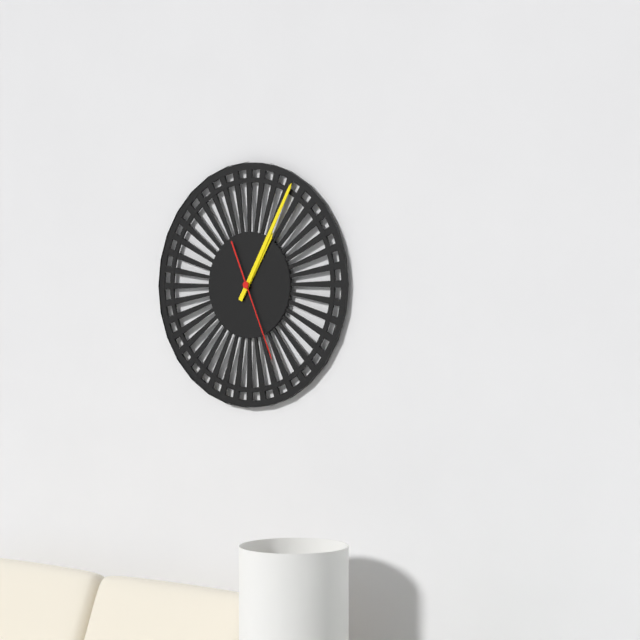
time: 1:05:26
